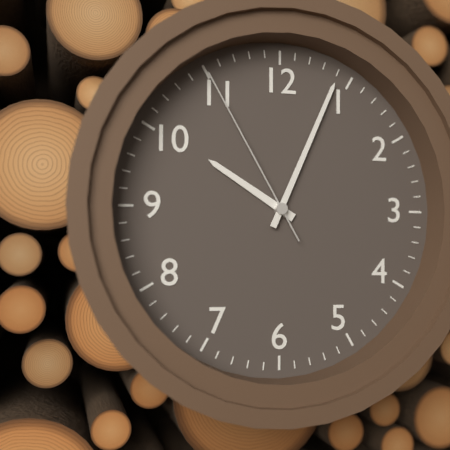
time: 10:04:55
